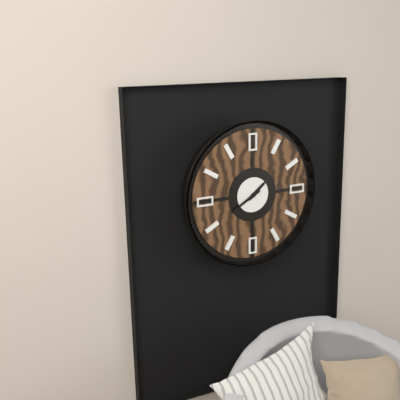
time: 1:40
